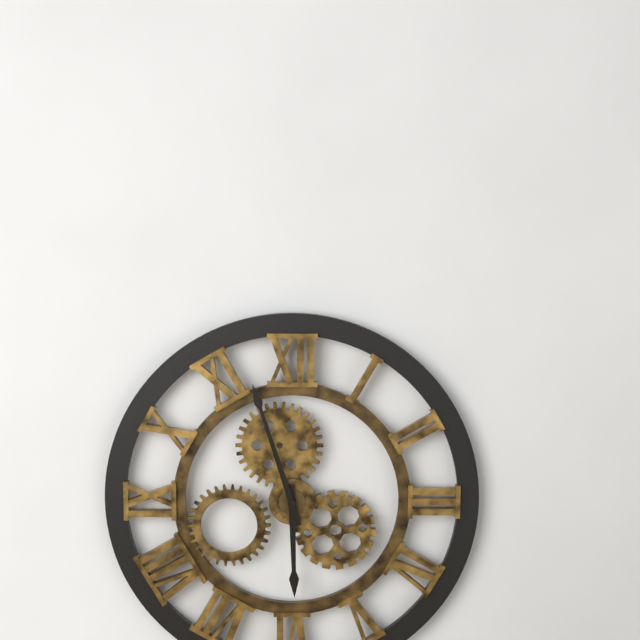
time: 5:57
